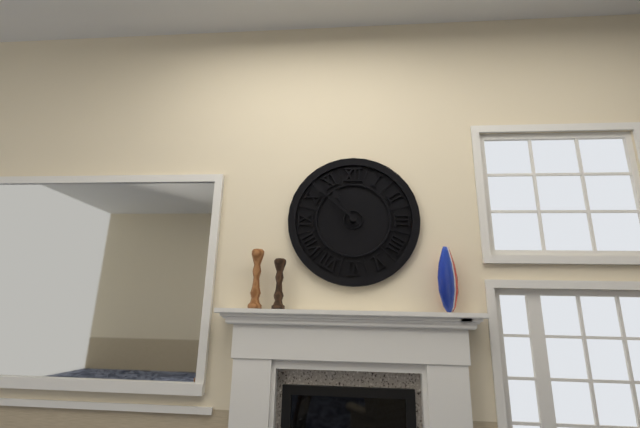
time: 10:52
